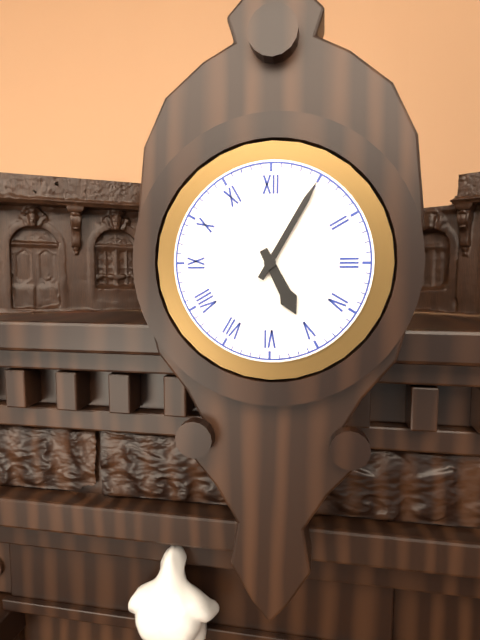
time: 5:05
